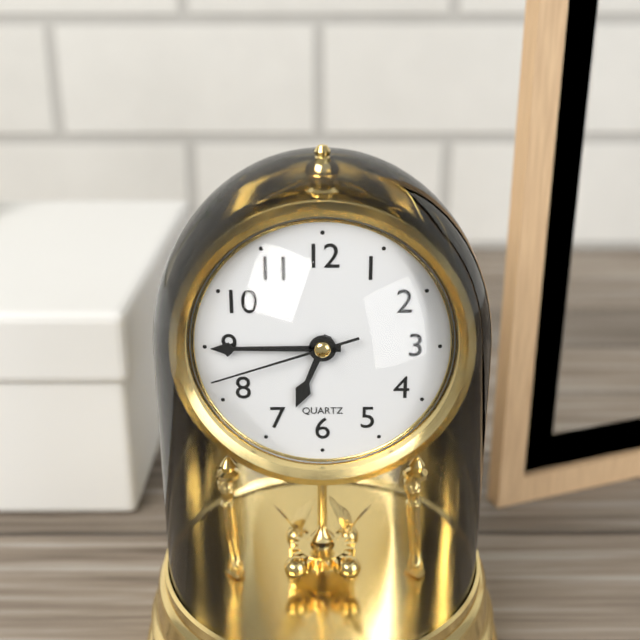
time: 6:45:42
